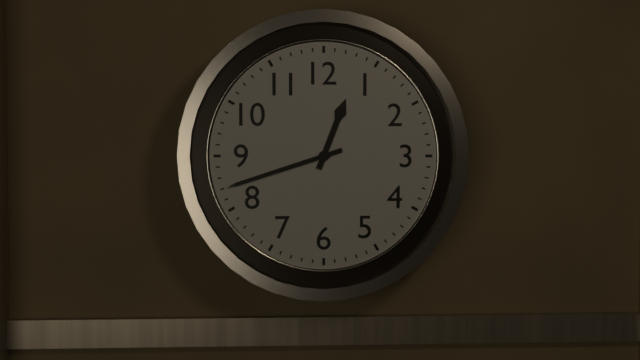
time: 12:42
